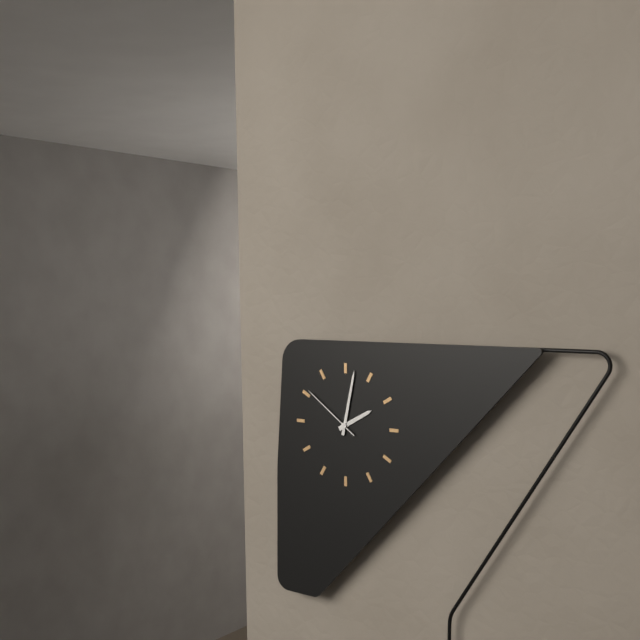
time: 2:02:51
